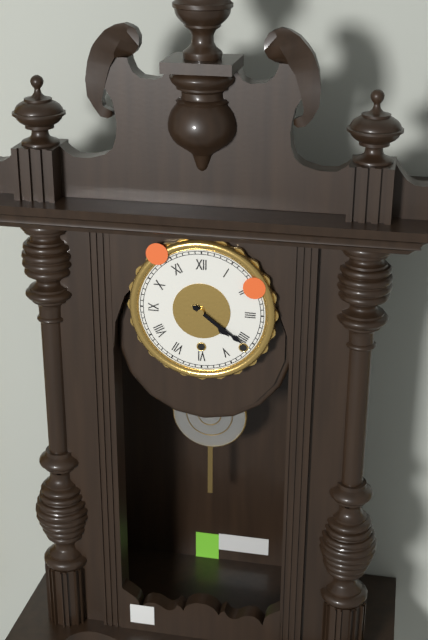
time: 4:21
